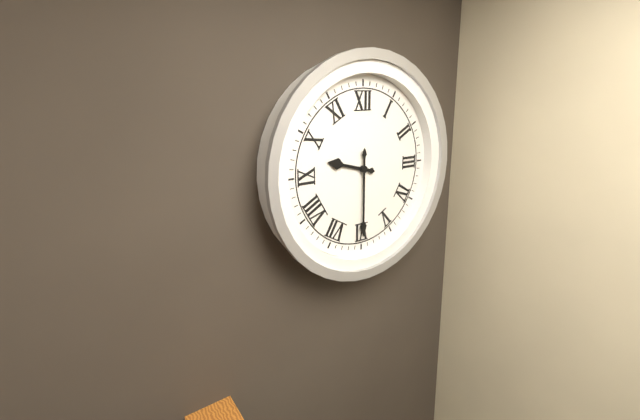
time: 9:30
